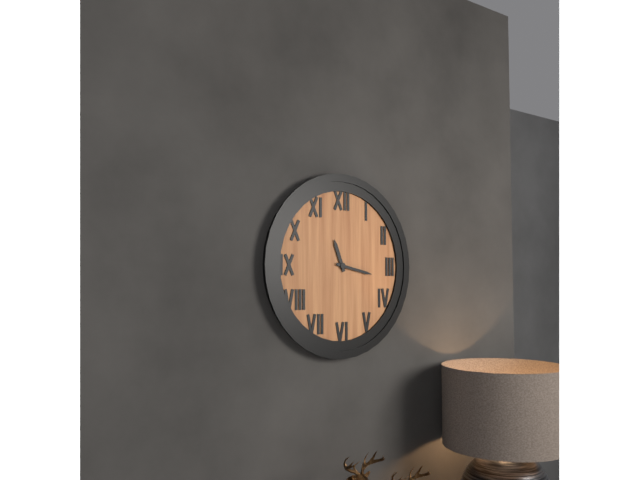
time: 11:17
